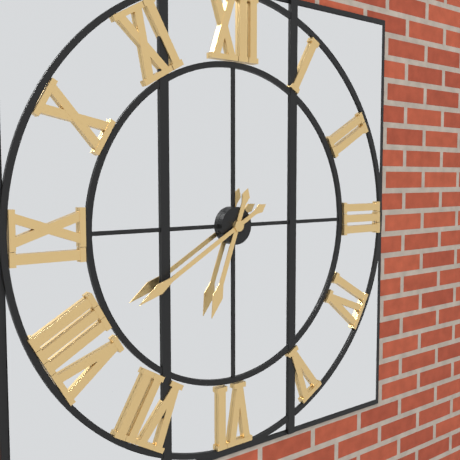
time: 6:40
